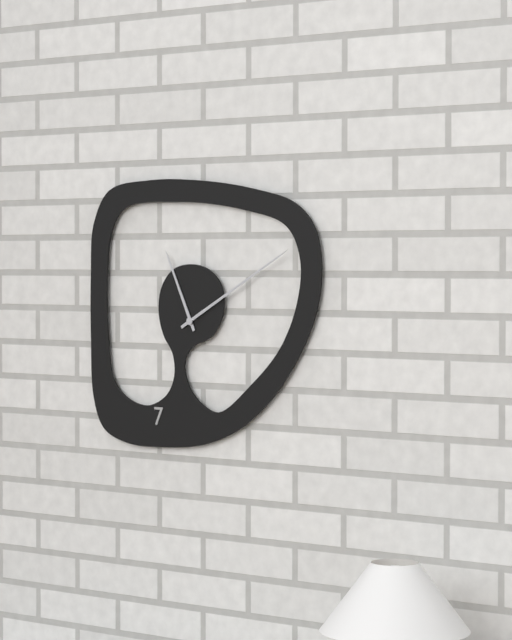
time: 11:10
